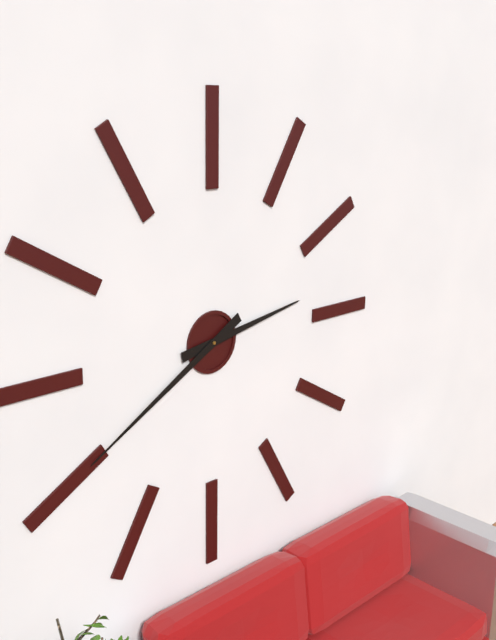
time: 2:40
